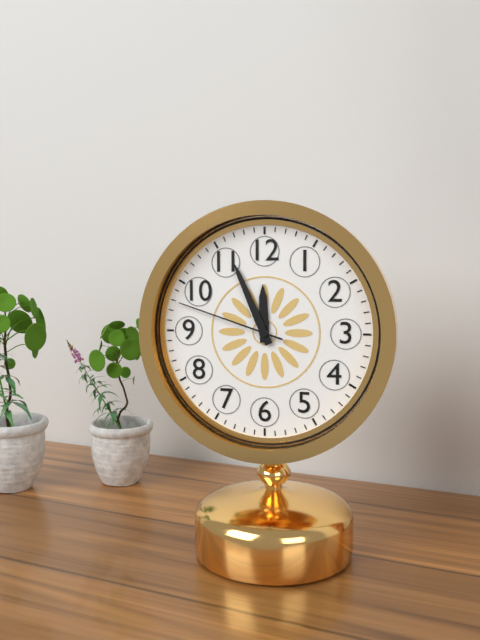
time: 11:56:48
